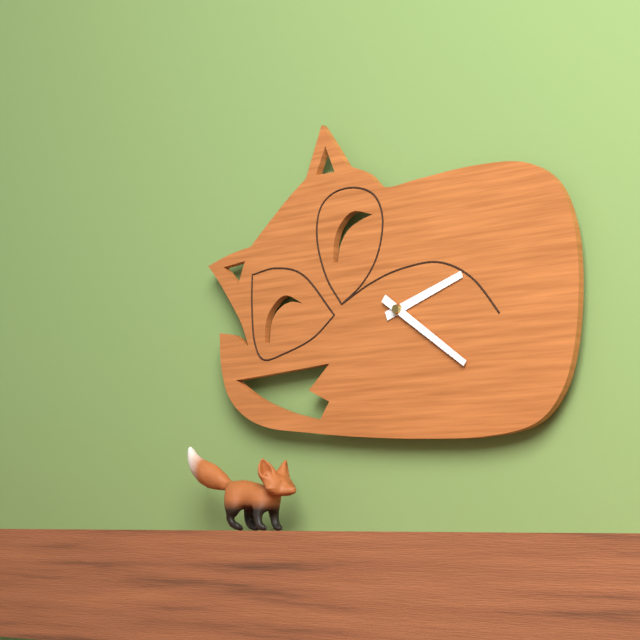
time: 2:21
